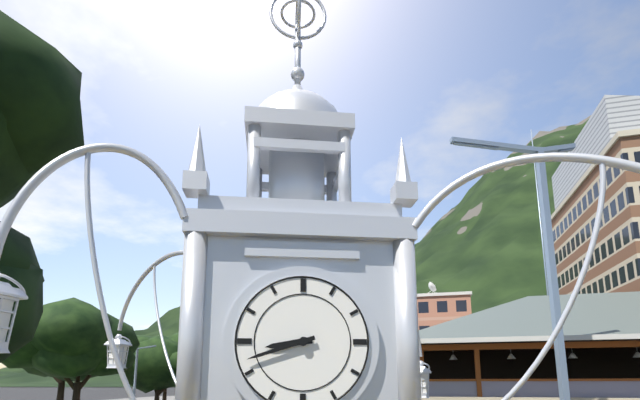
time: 8:42
